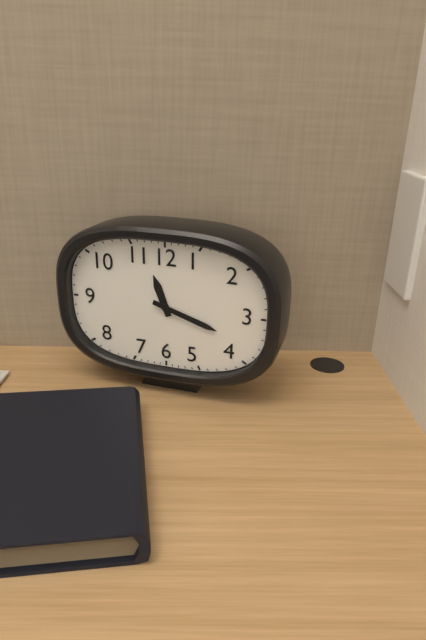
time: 11:18
